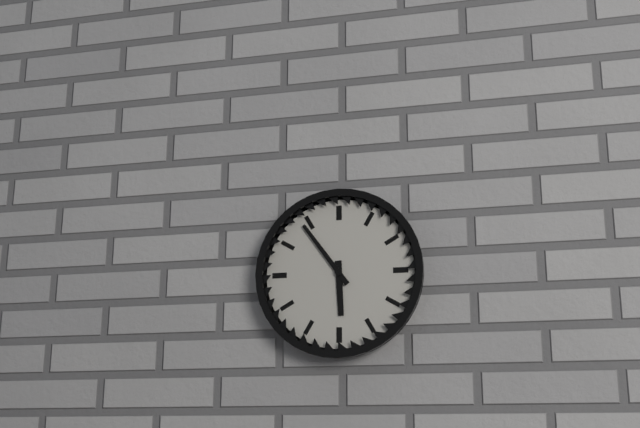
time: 5:54
